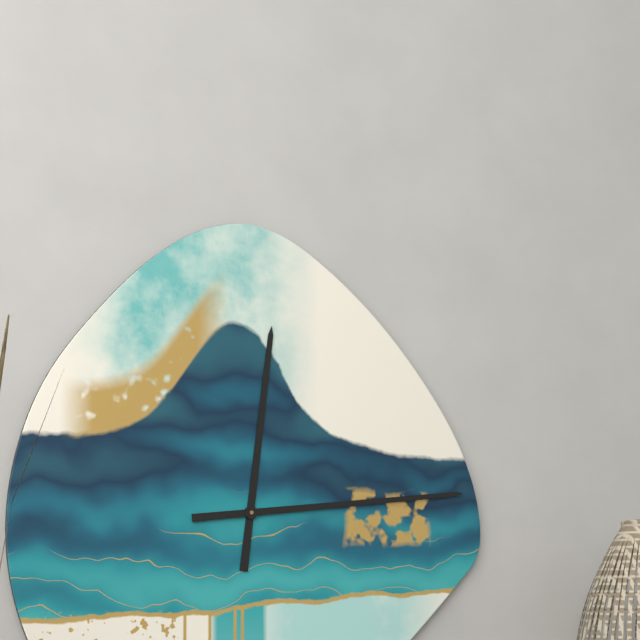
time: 12:14
